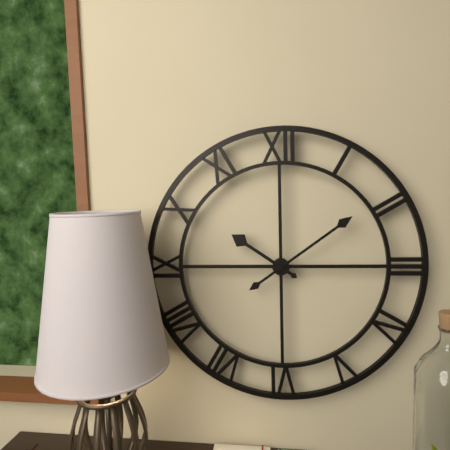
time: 10:09
